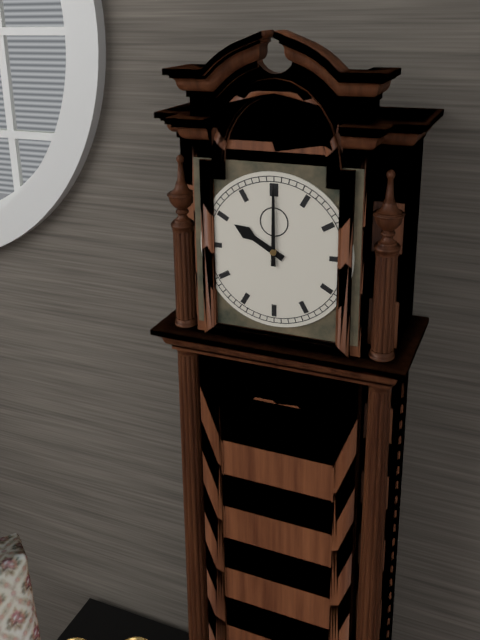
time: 10:00
